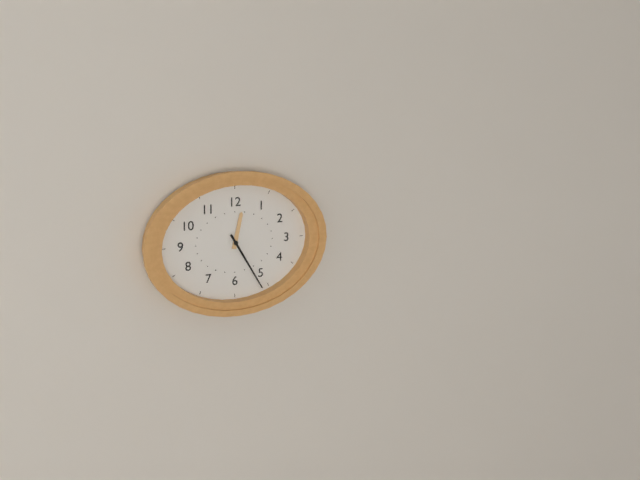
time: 12:25
